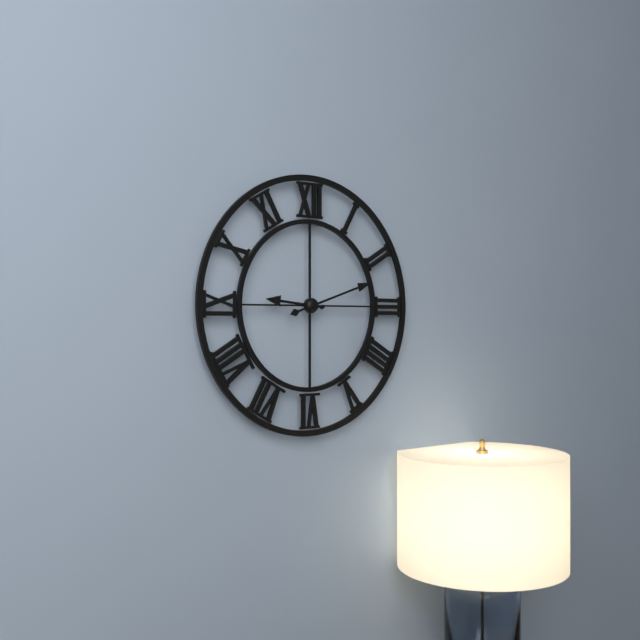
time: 9:12
